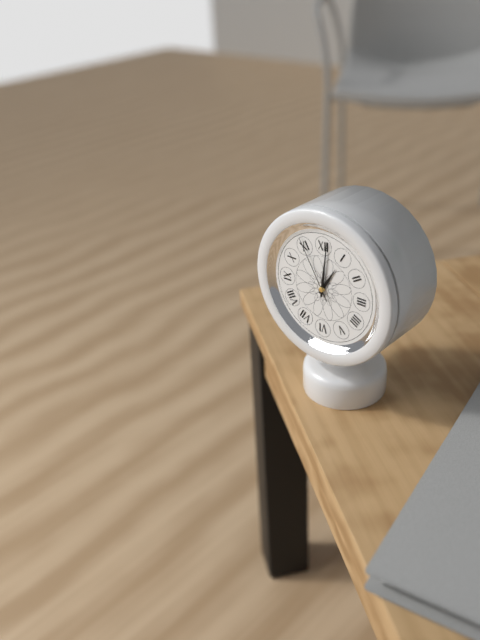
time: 1:01:55
